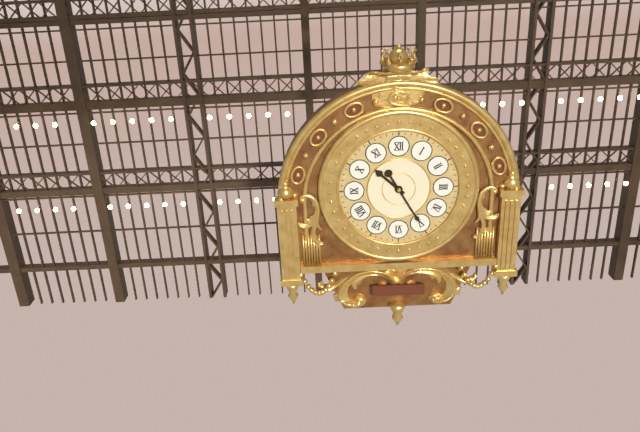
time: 10:25
